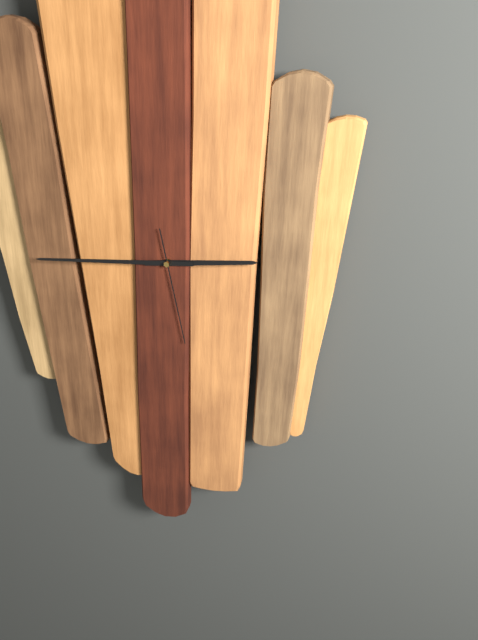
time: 2:44:28
